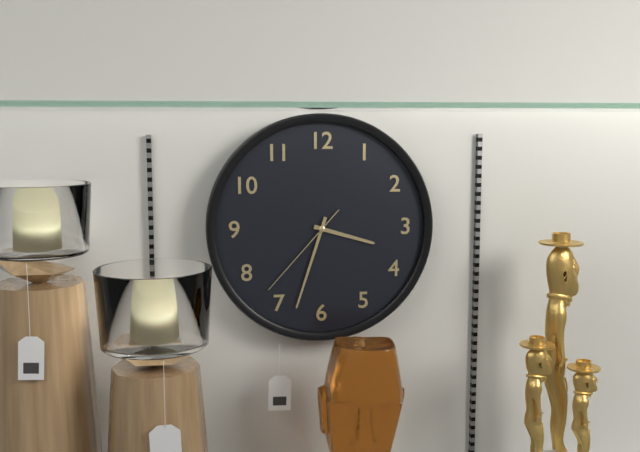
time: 3:33:37
